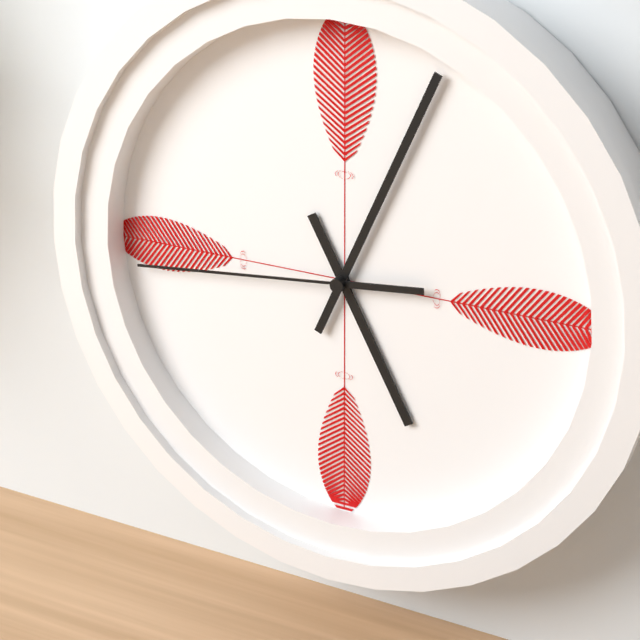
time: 5:04:44
